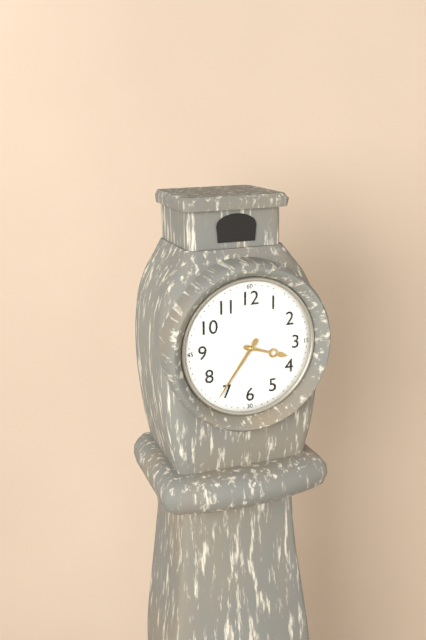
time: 3:36
